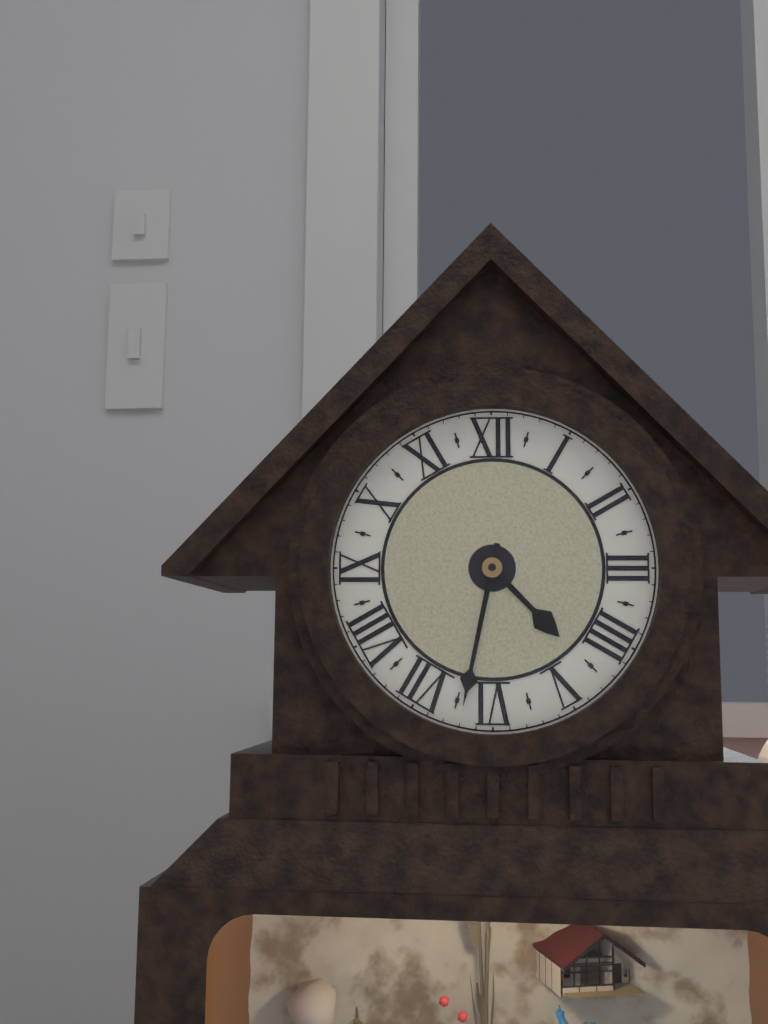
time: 4:32
